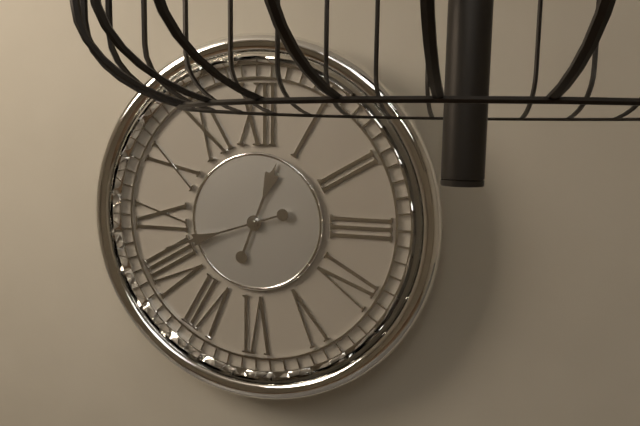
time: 12:42
